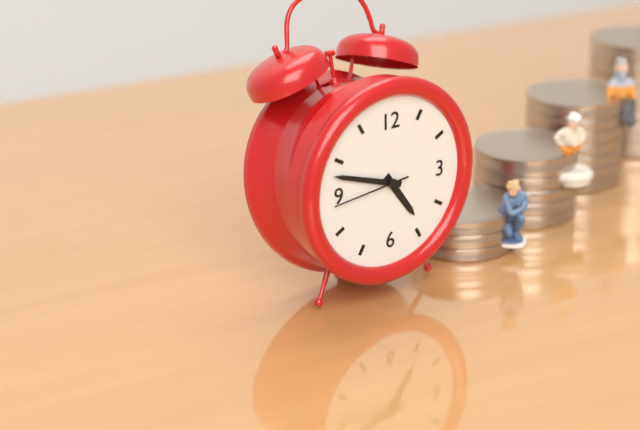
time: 4:48:44
